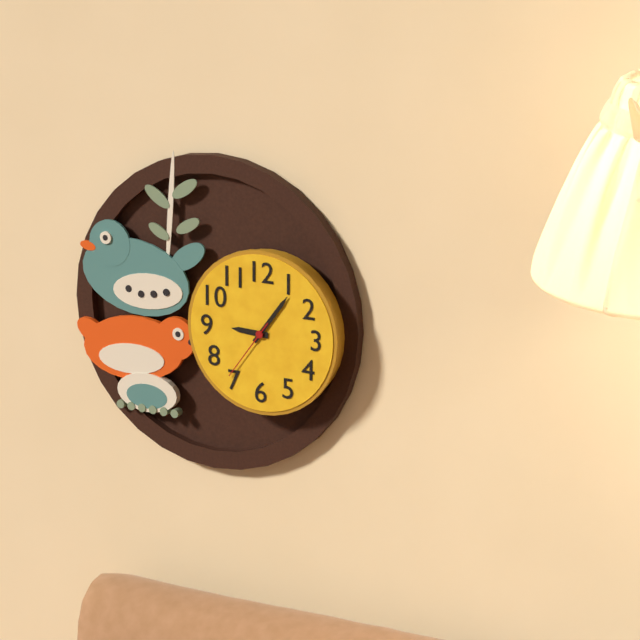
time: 9:06:36
